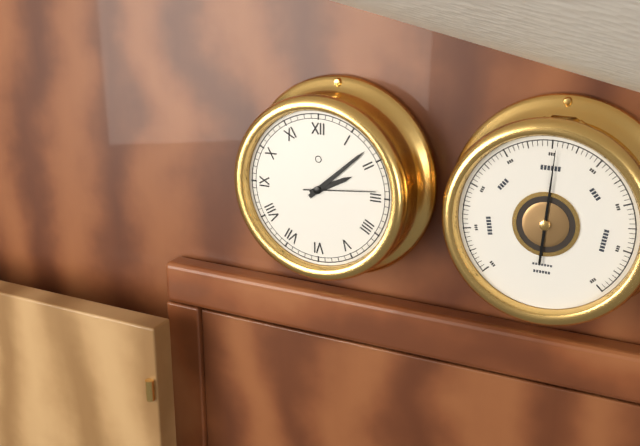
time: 2:08:14
